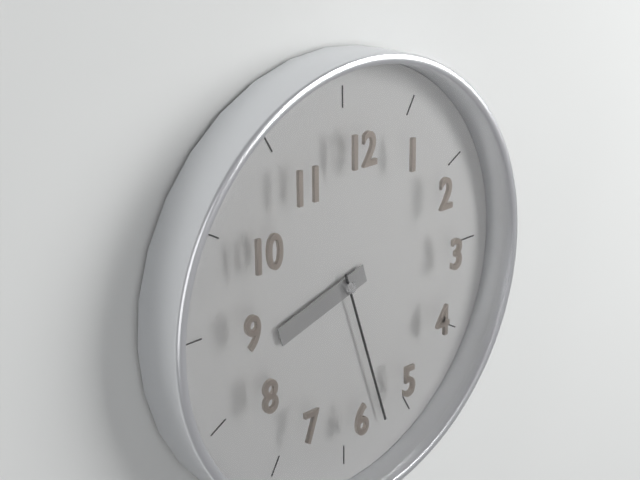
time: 8:27
